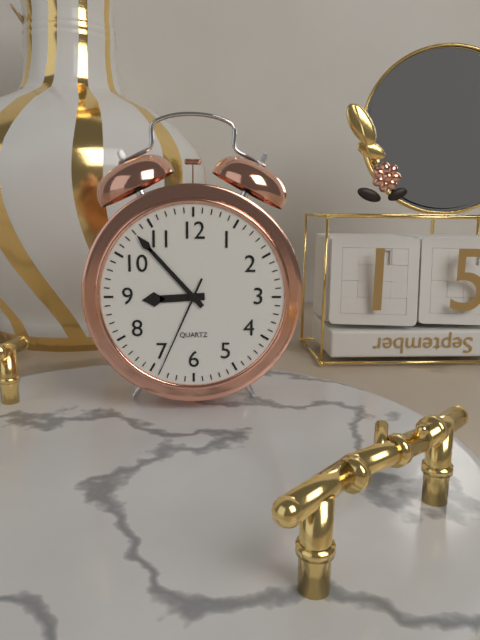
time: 8:53:34
